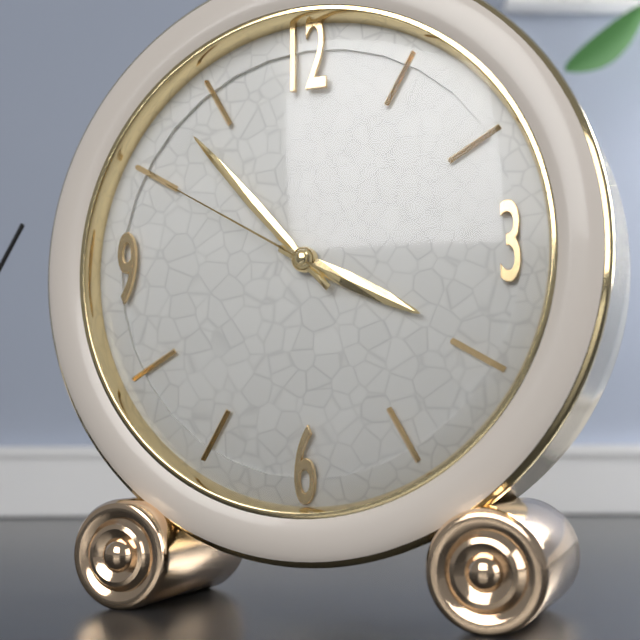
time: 3:53:50
